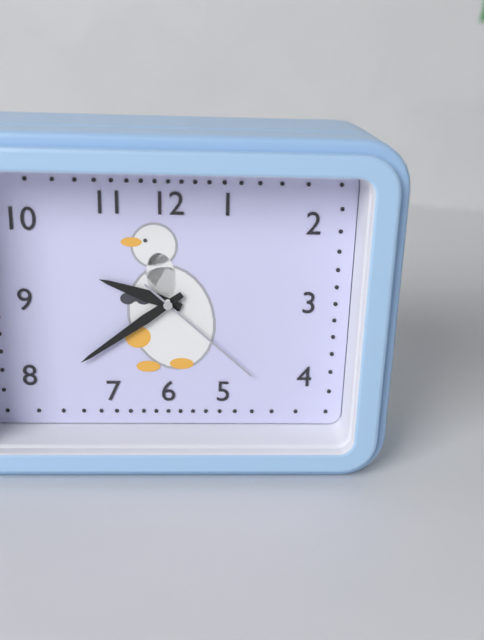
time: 9:39:22
